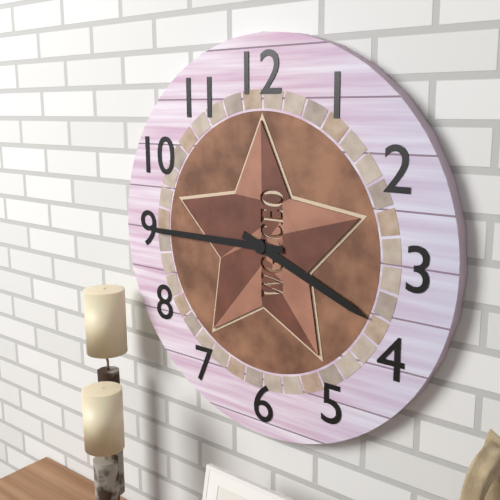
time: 3:45
